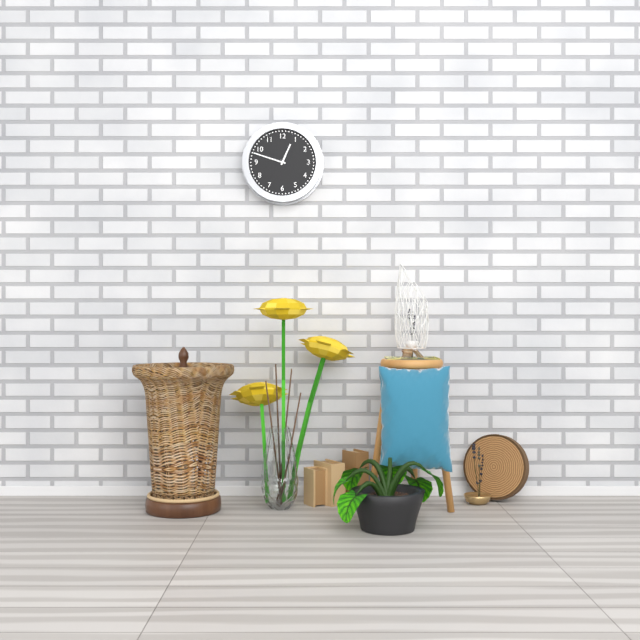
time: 12:48
